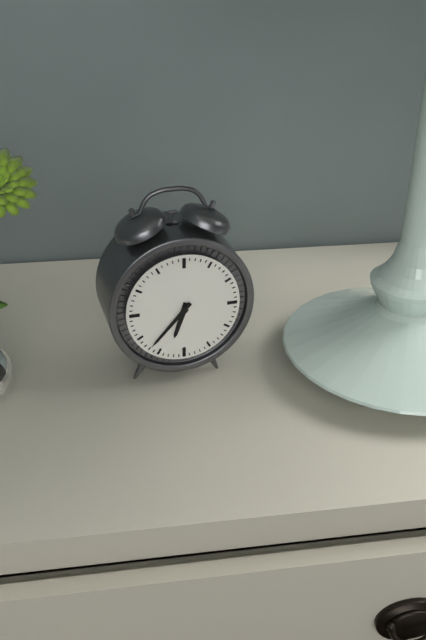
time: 6:37
